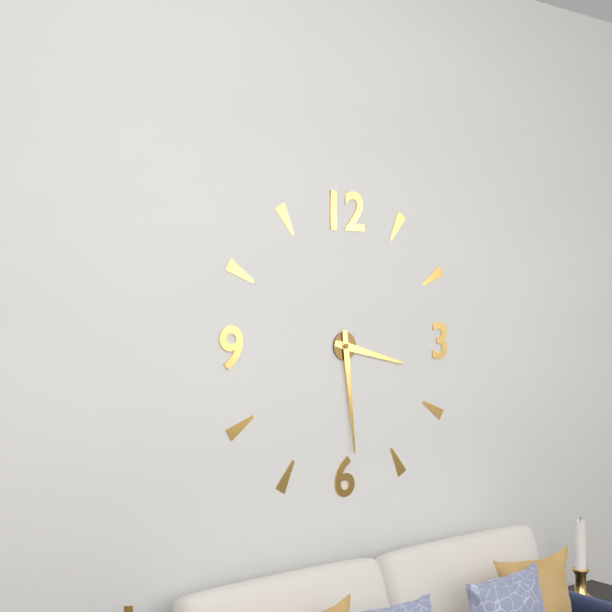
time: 3:29
